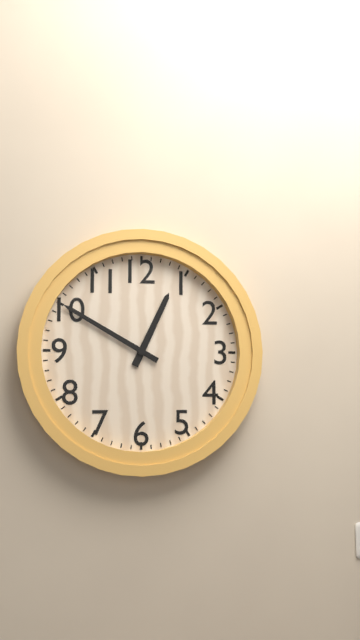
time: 12:50
